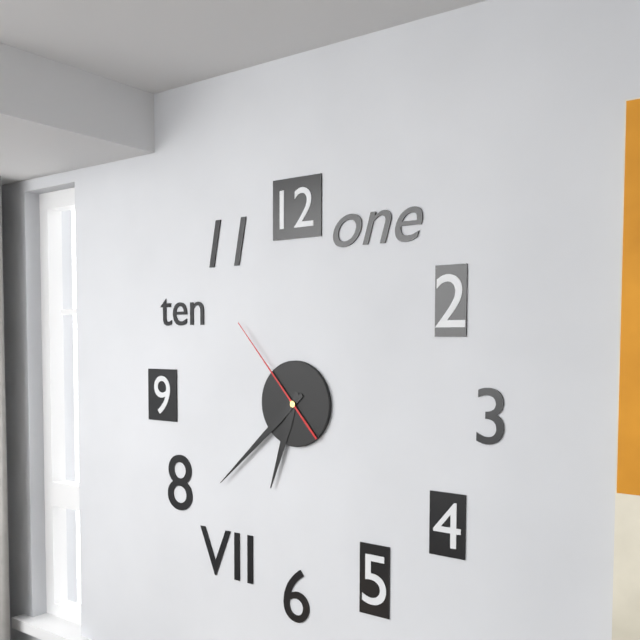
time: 6:38:53
